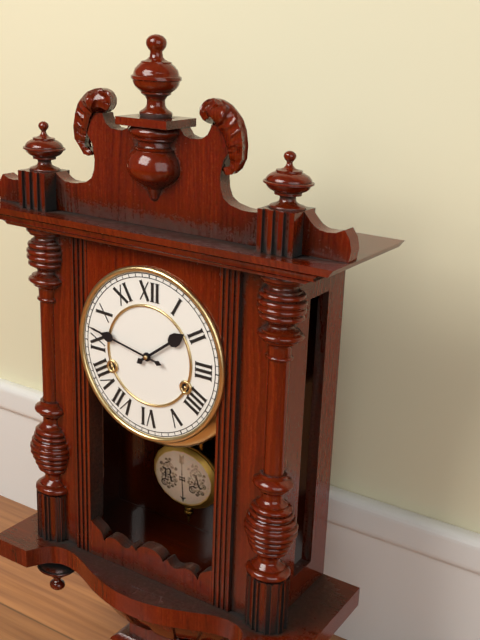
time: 1:47
